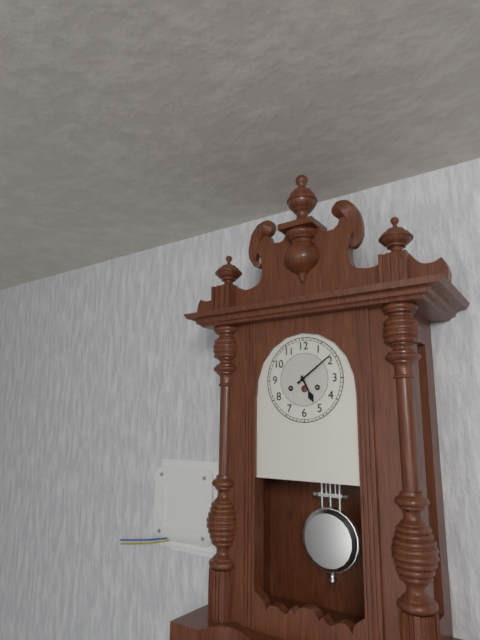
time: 5:09
